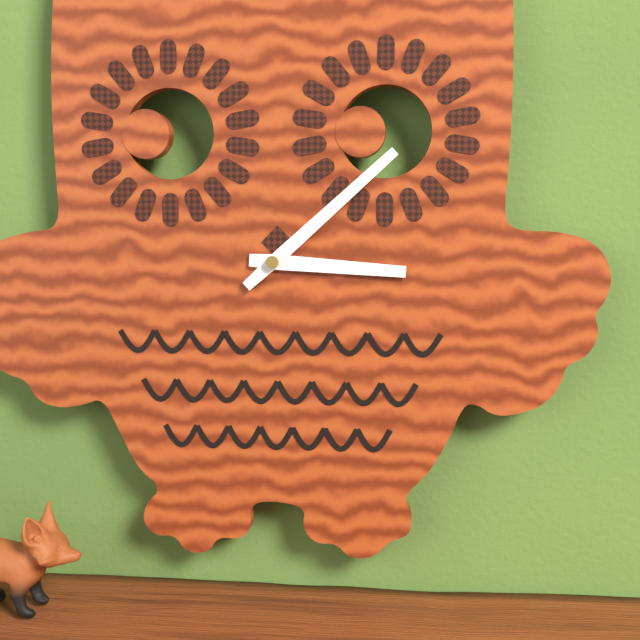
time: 3:08
